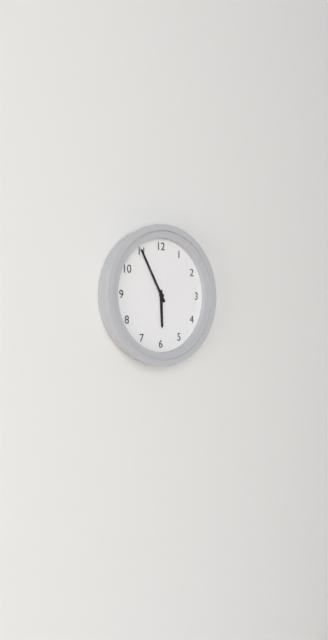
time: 5:55
